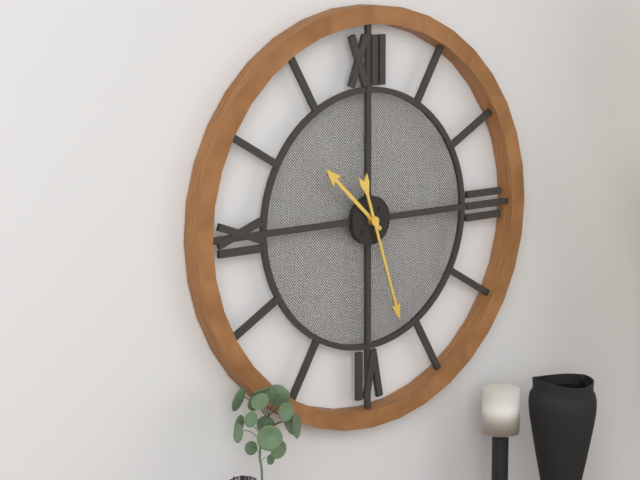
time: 10:27
